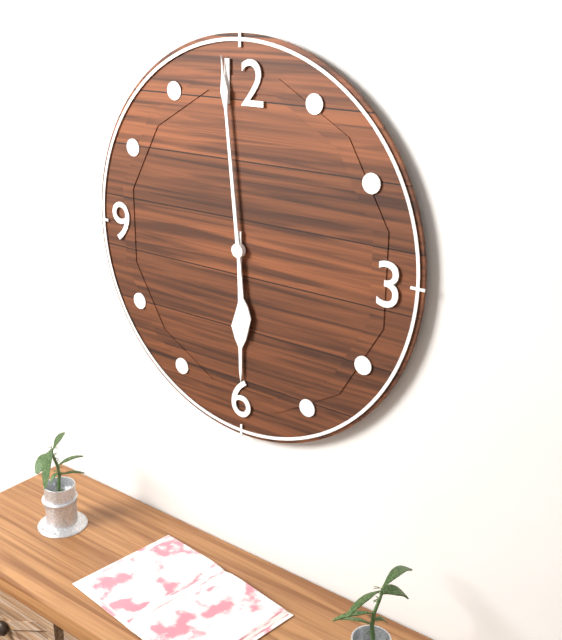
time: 5:59
